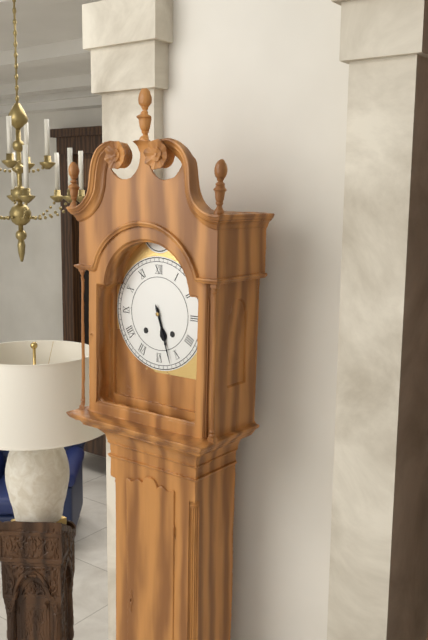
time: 5:27
